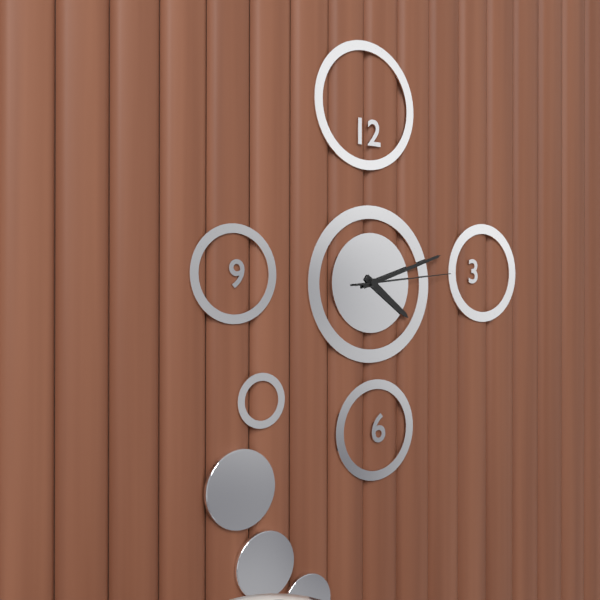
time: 4:12:14
